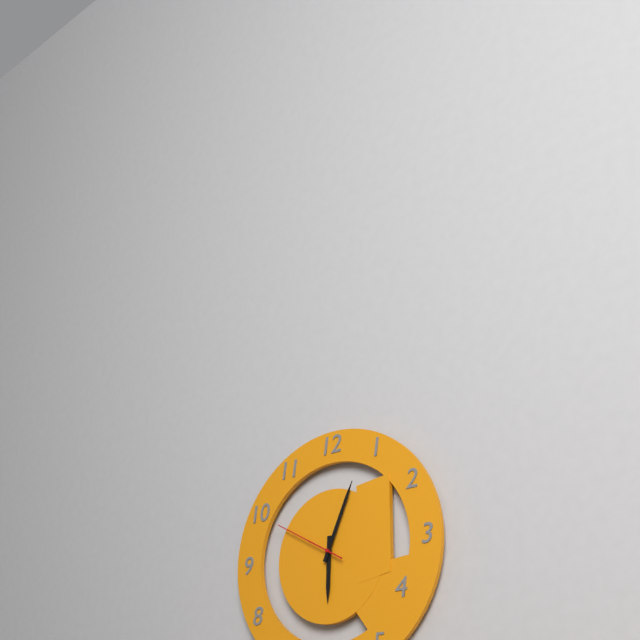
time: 6:04:50
